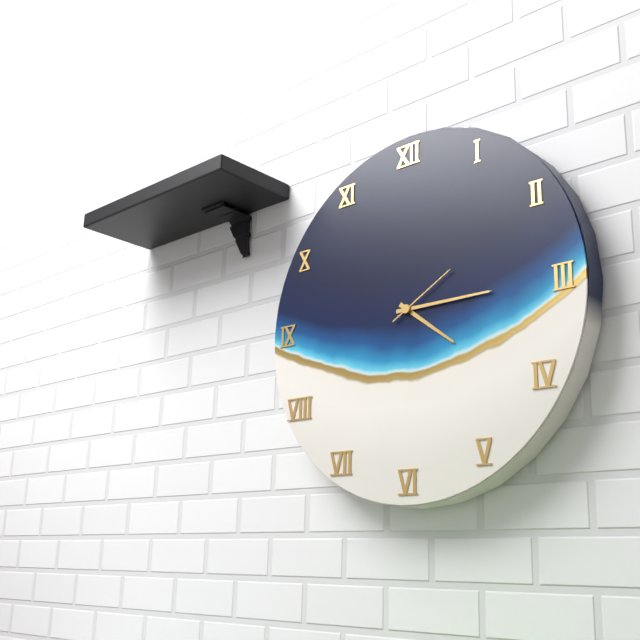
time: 4:15:10
